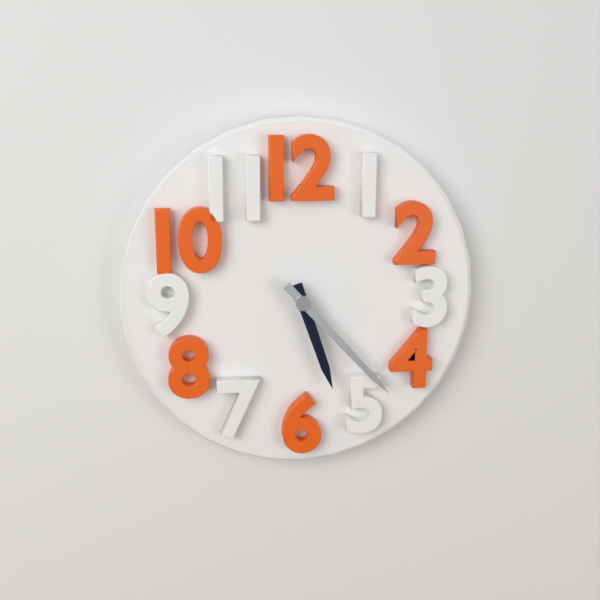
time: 5:23
